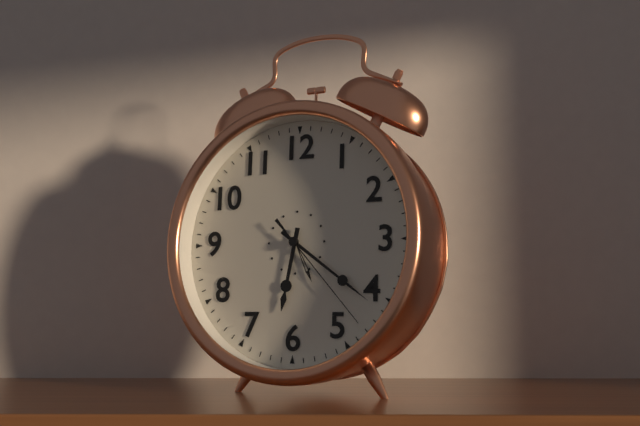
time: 6:21:23
